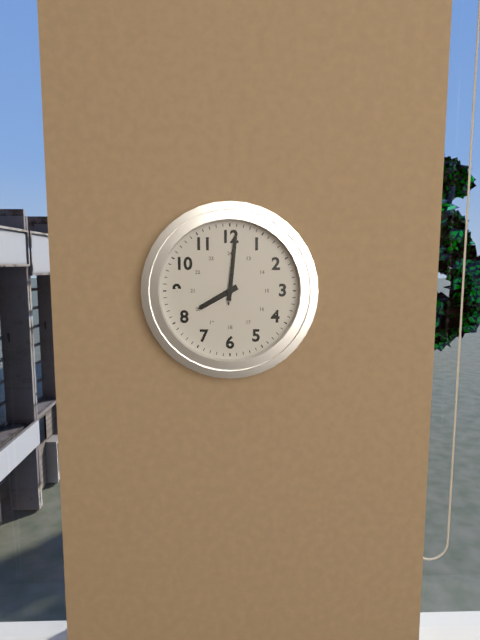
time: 8:01:01
